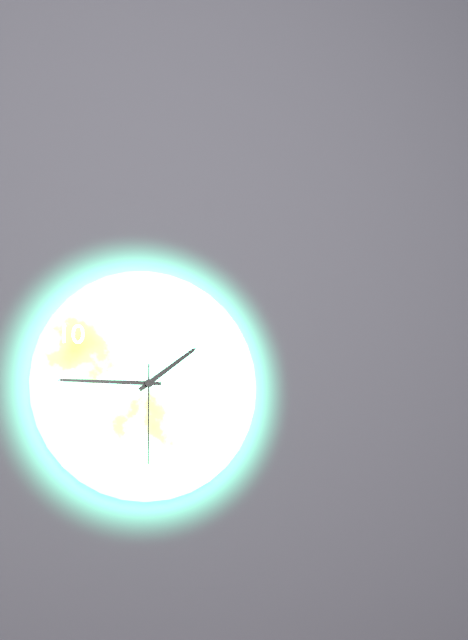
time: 1:45:30
